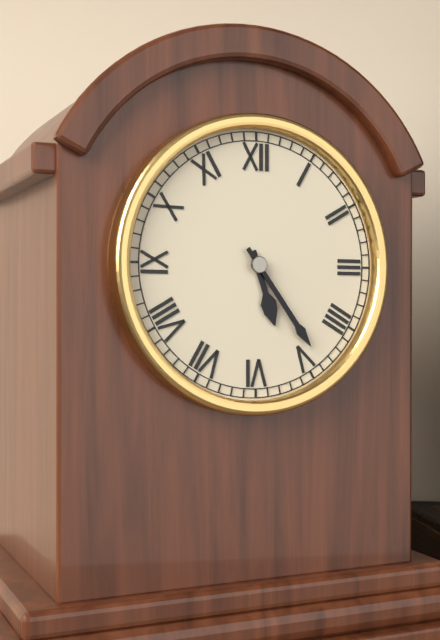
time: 5:24
